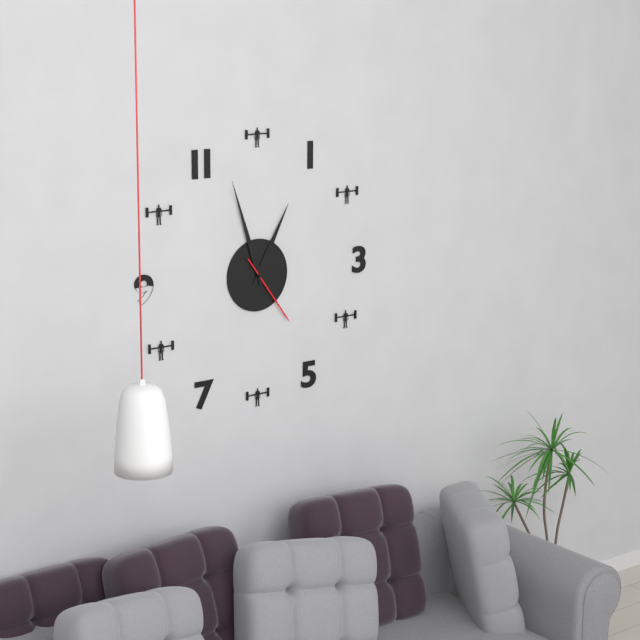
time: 12:57:24
